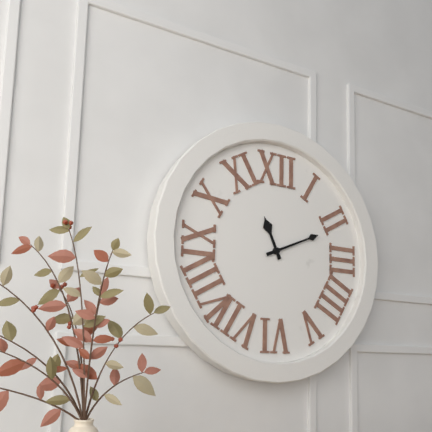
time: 11:11
